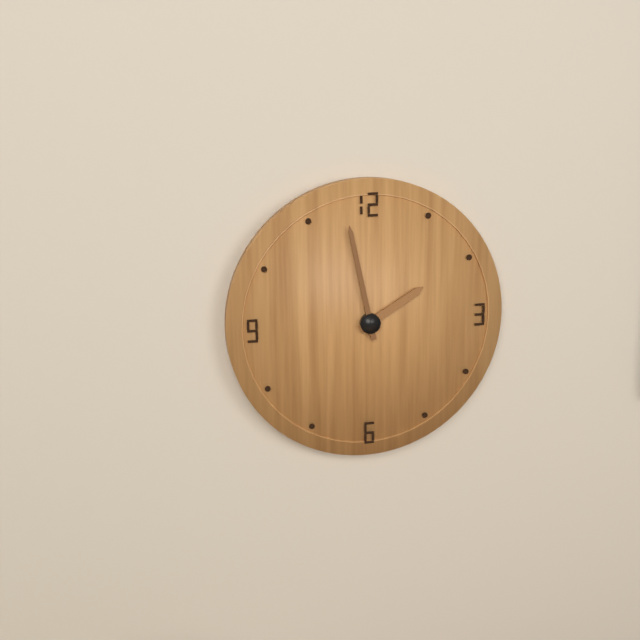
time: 1:58
